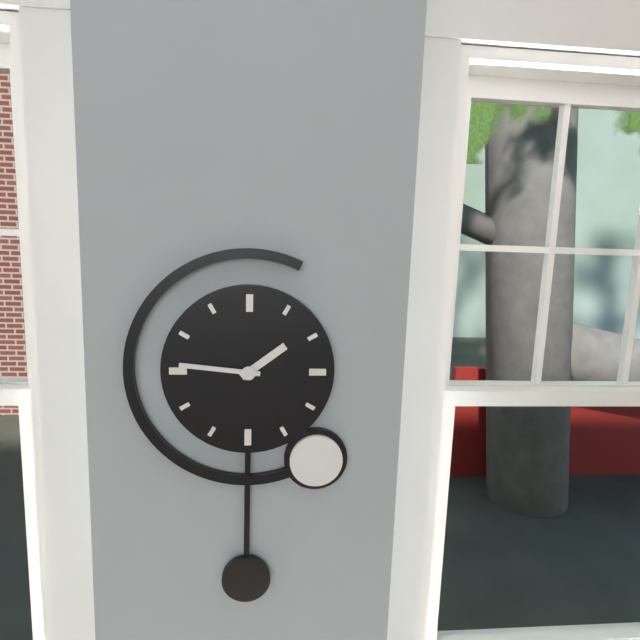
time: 1:46
